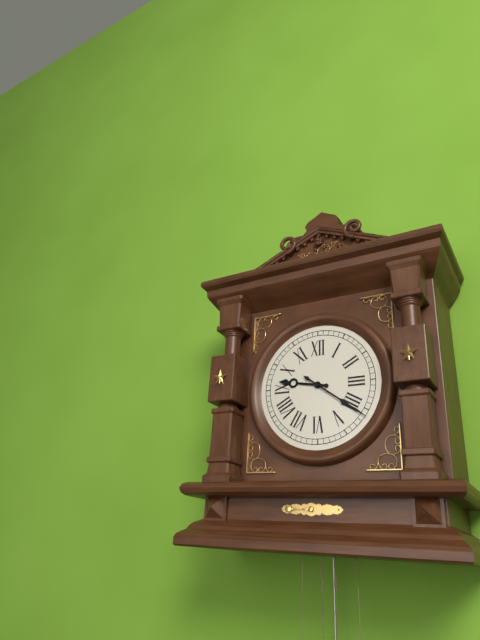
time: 9:21
